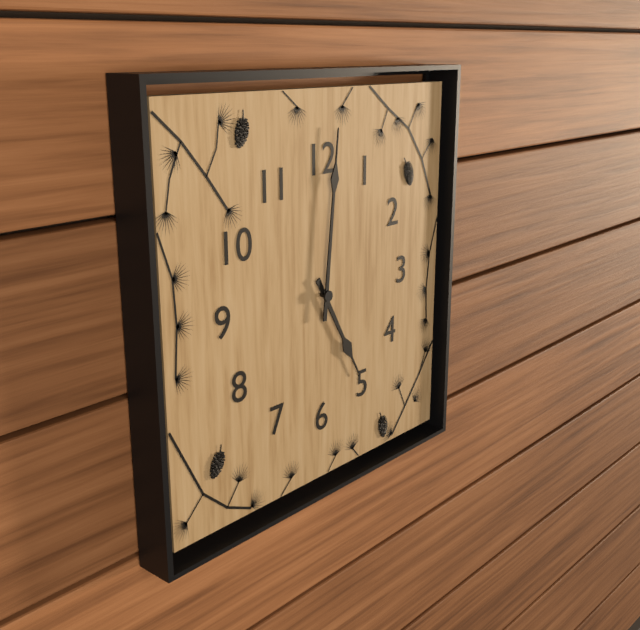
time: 5:01
